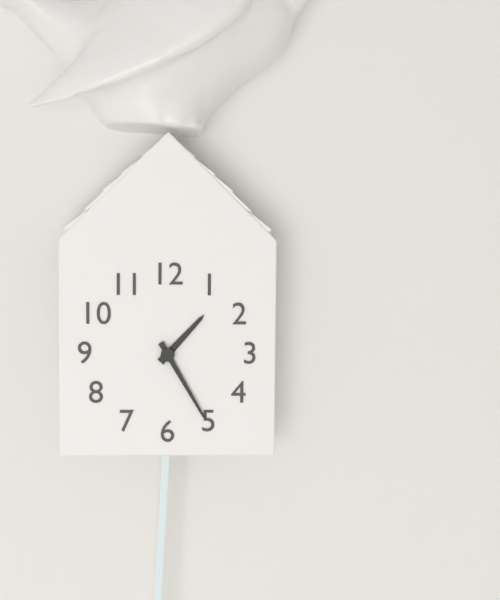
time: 1:25
